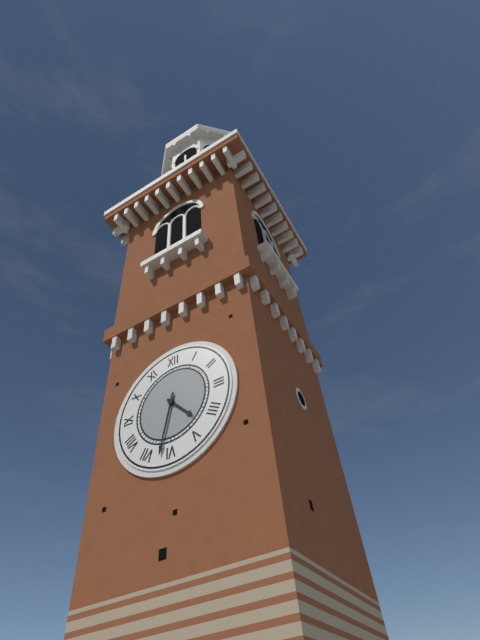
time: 4:32
